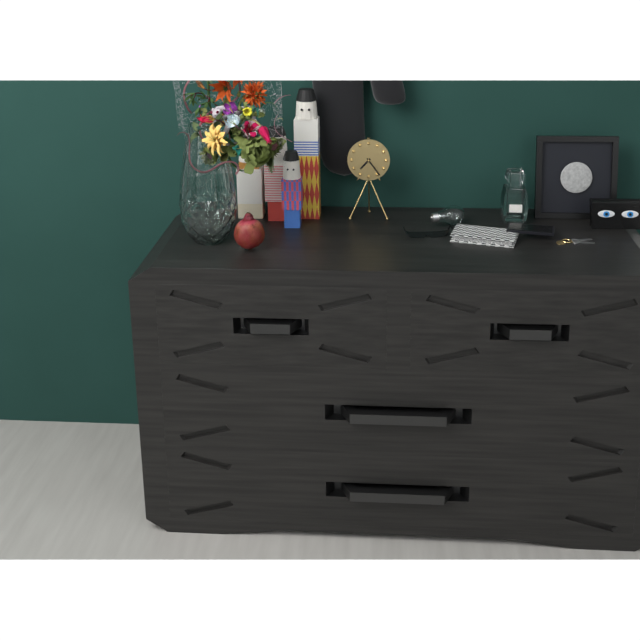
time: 7:24
